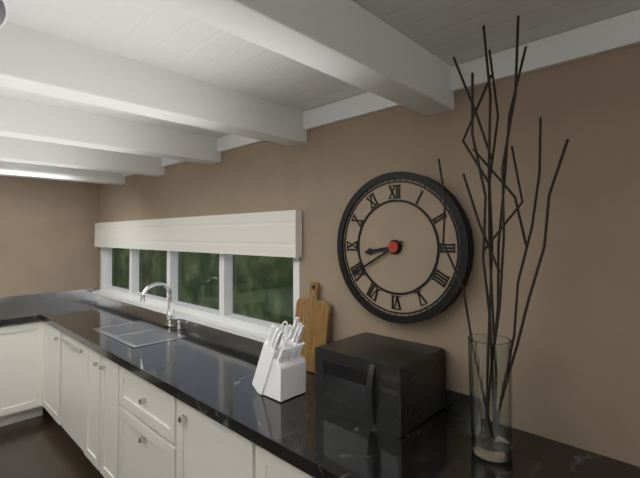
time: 8:40
